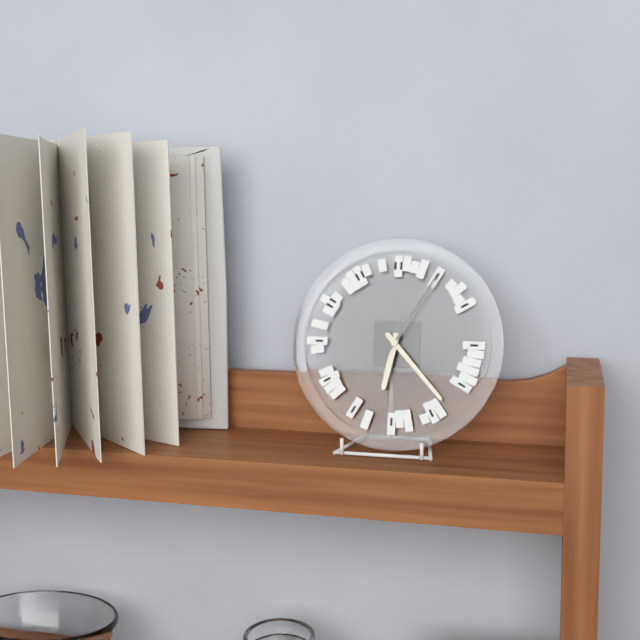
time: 6:23:05
